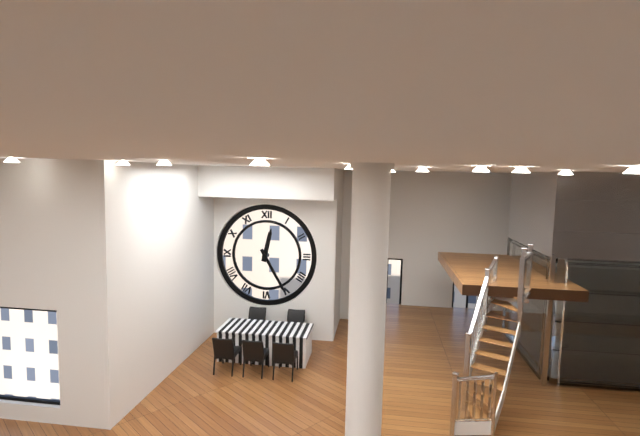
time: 12:25
